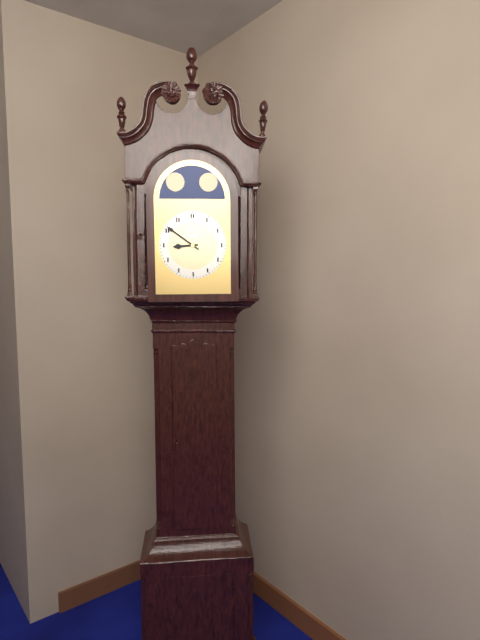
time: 8:51
